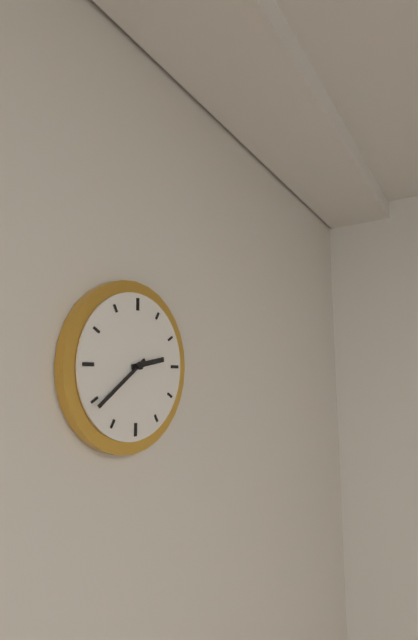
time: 2:39
